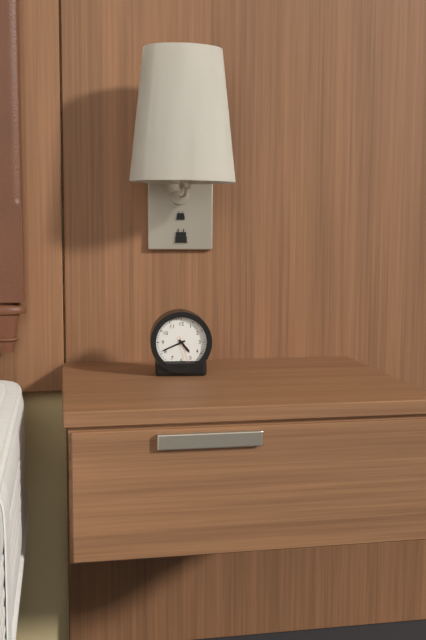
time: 4:41
